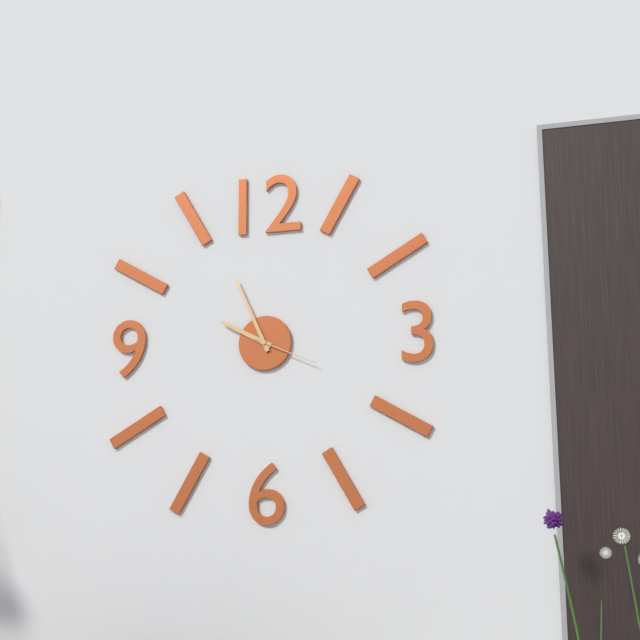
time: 9:56:19
